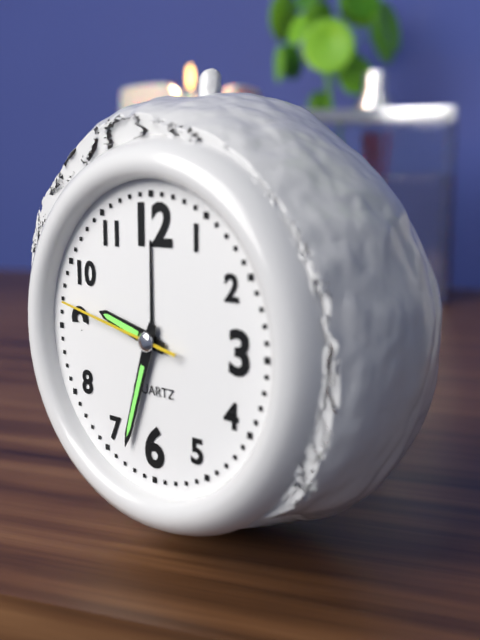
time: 9:33:47
